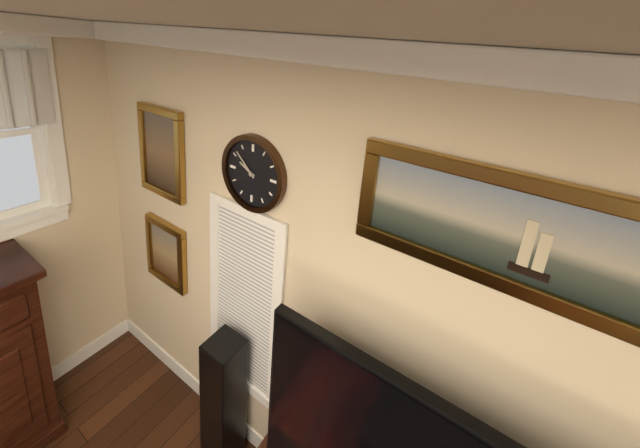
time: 9:52
